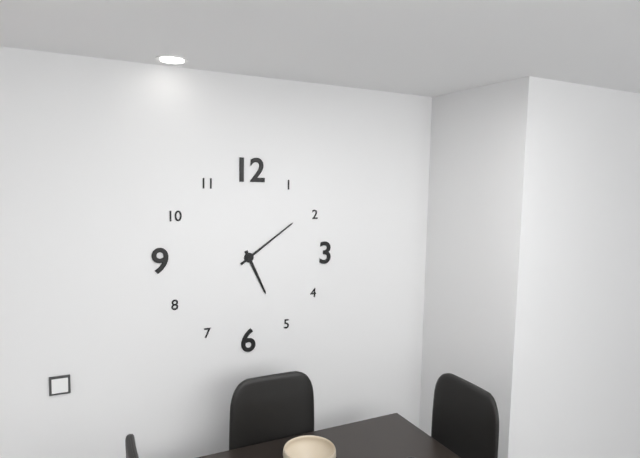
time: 5:09
